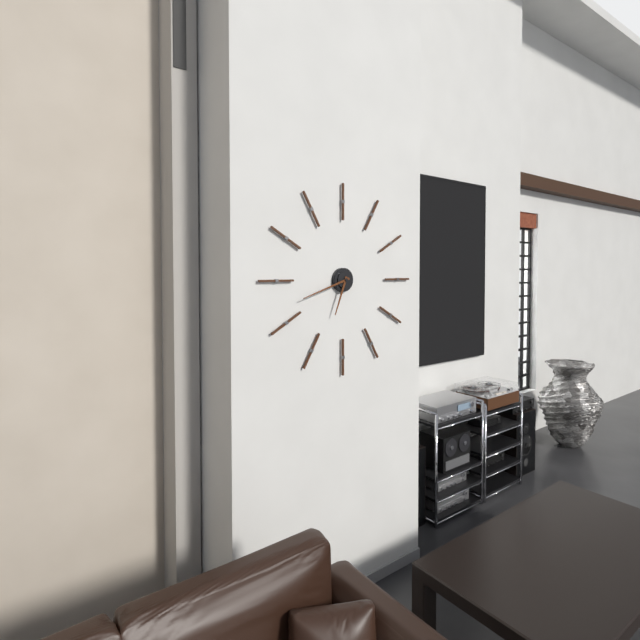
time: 6:42
